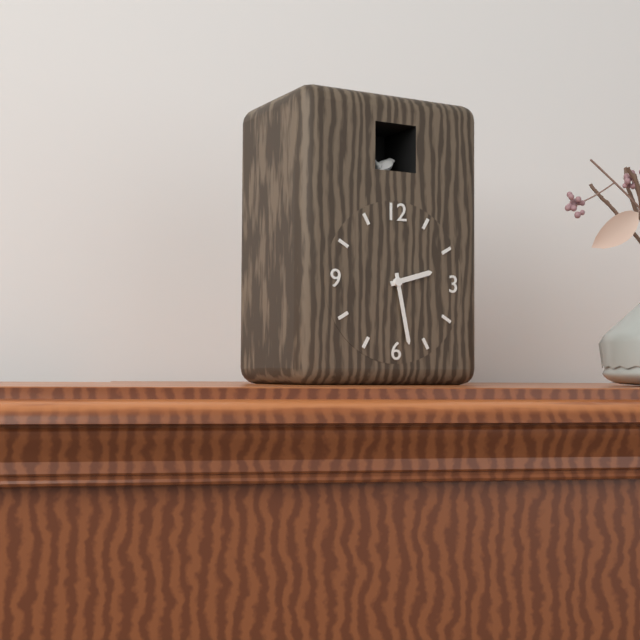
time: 2:28
